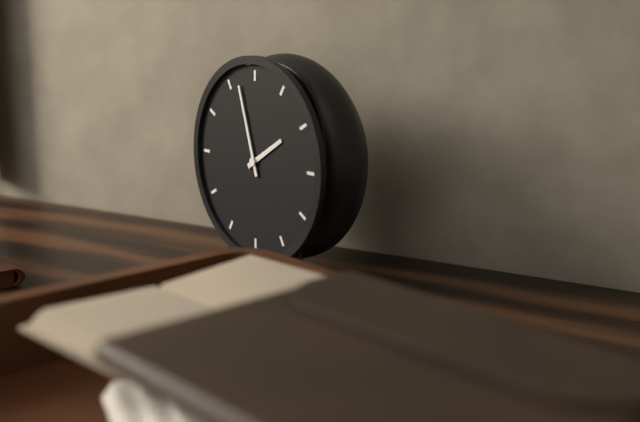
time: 1:57
